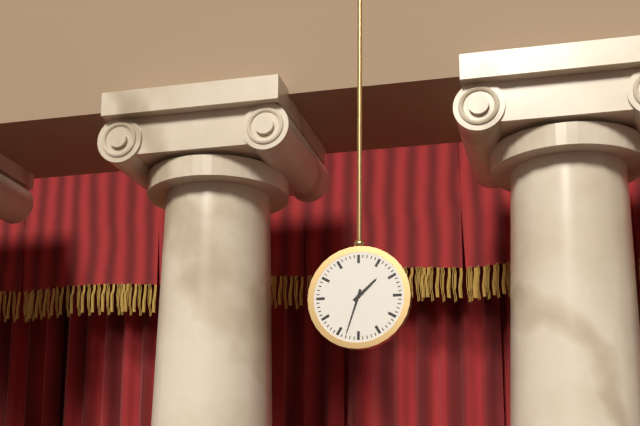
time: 1:33
